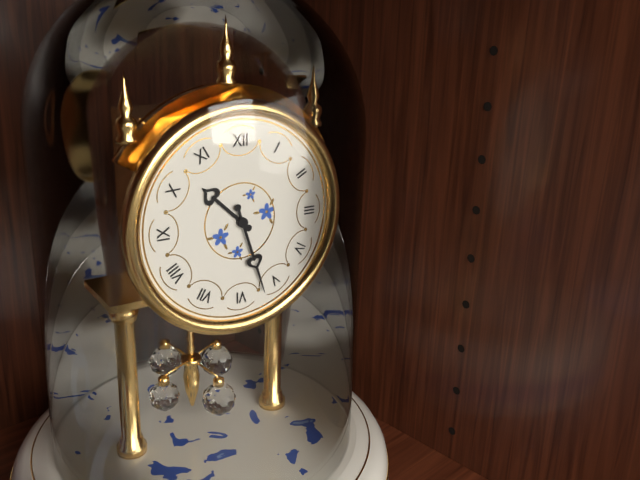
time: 10:27
